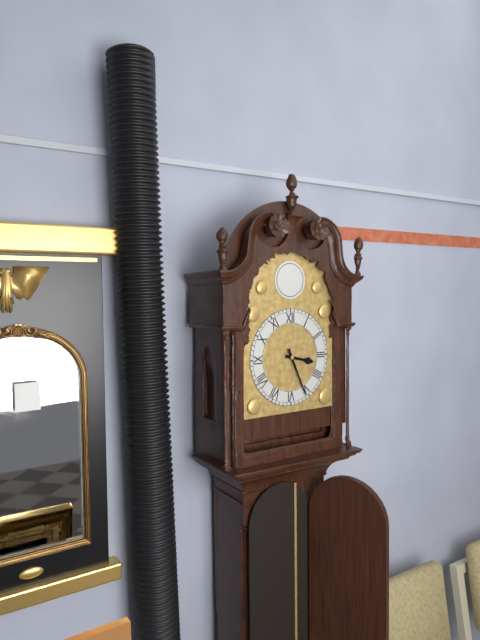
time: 3:26
